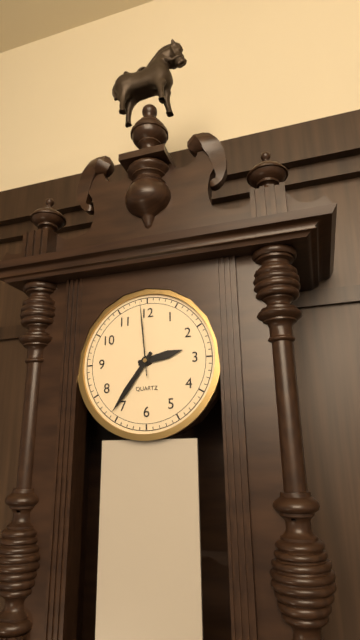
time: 2:36:59
